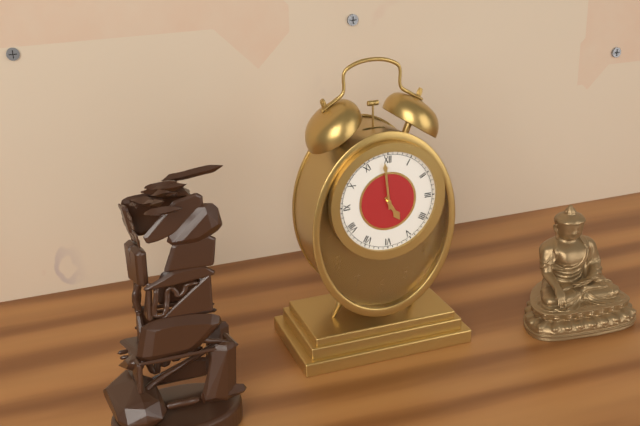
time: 4:59
